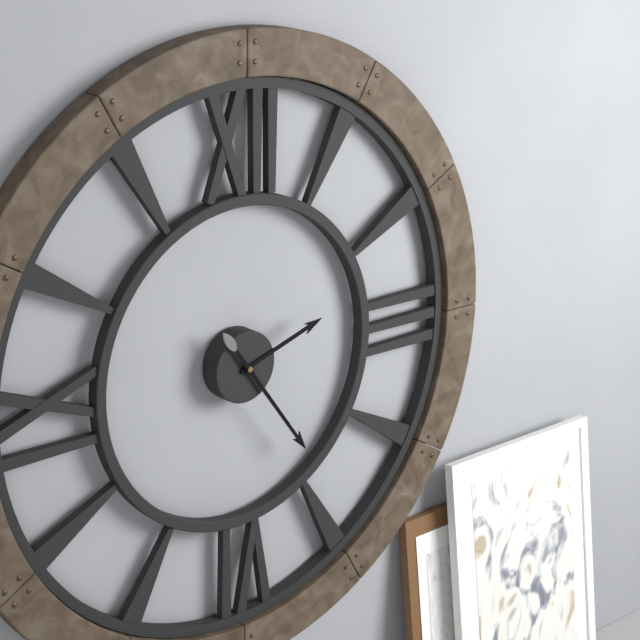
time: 2:24
